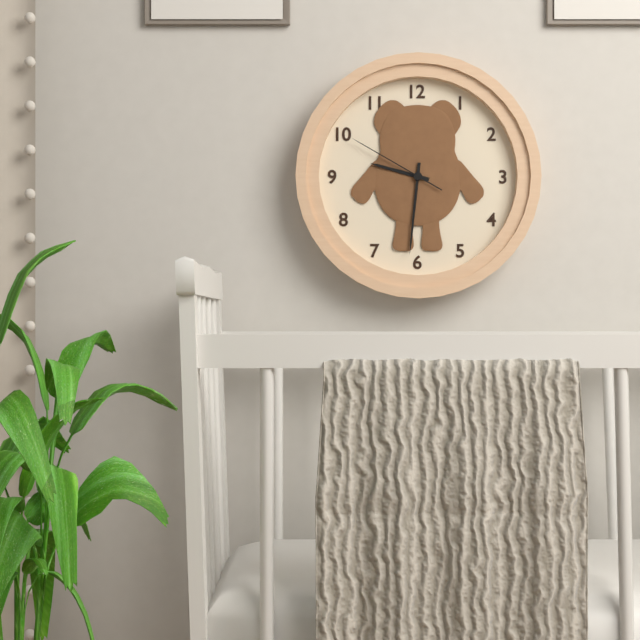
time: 9:31:50
